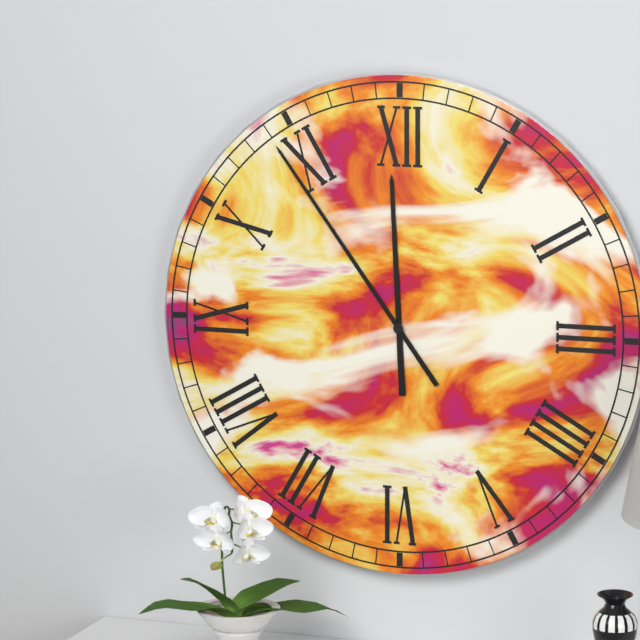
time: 11:54
